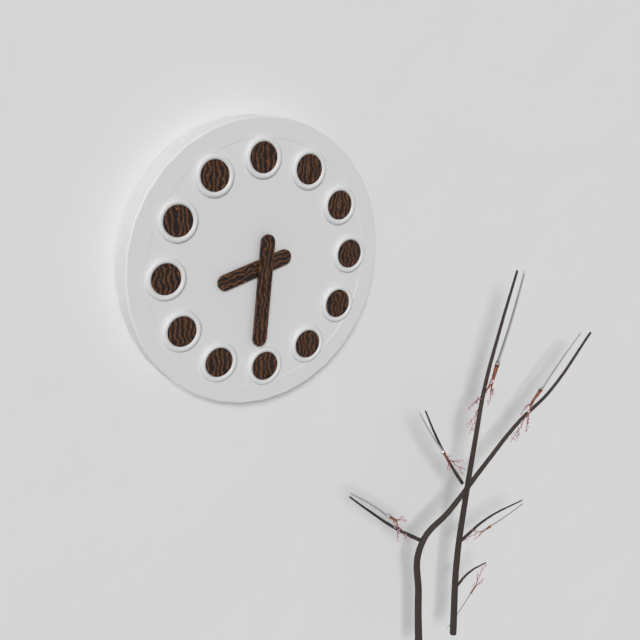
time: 8:31
